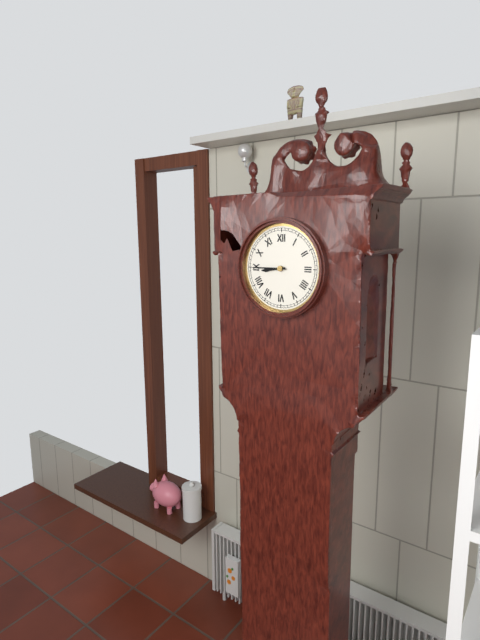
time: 8:45
